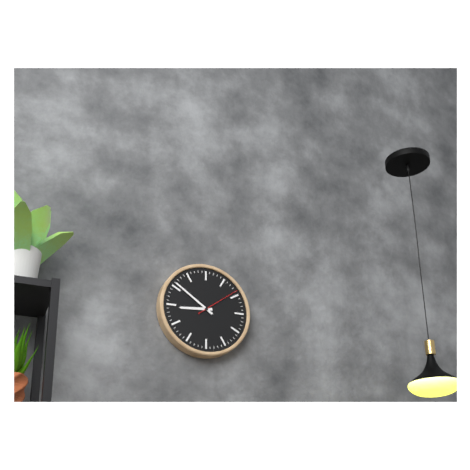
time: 8:51:09
